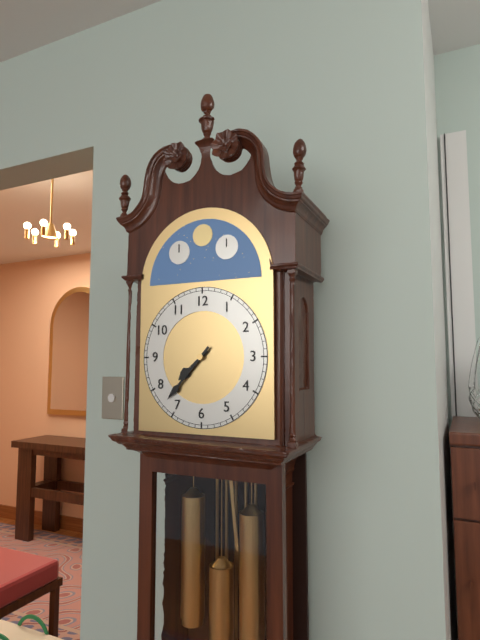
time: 7:37
